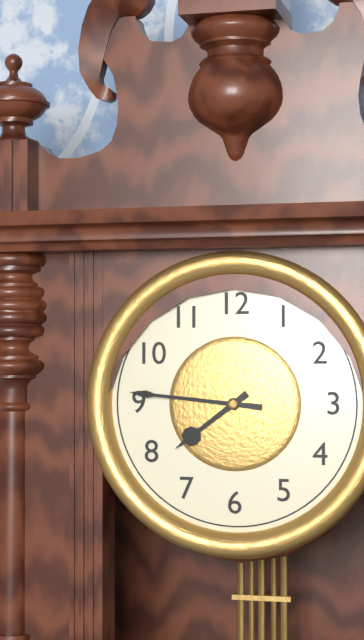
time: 7:46
